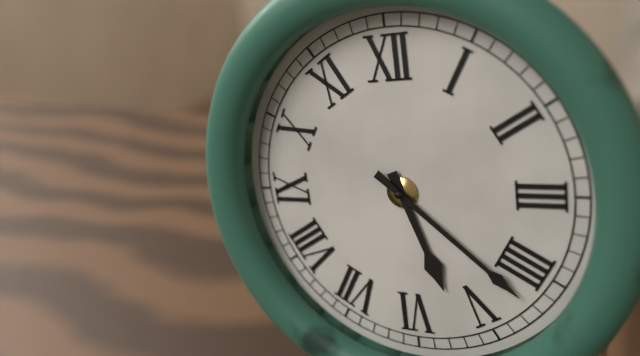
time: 5:22
